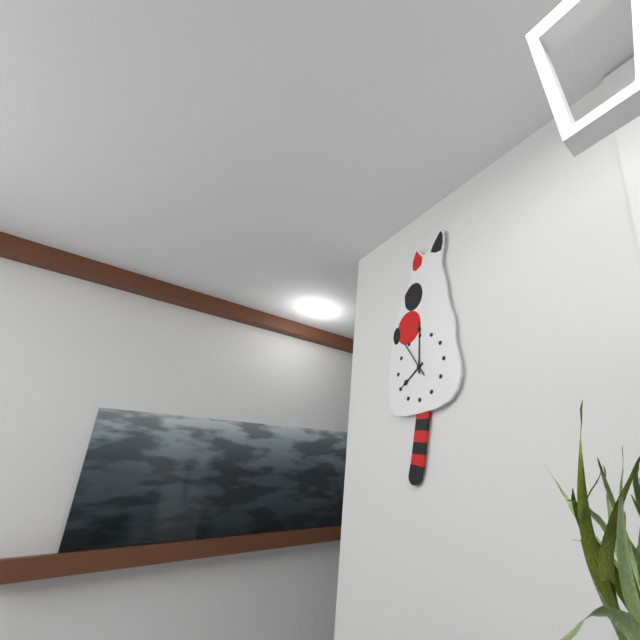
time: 8:00
